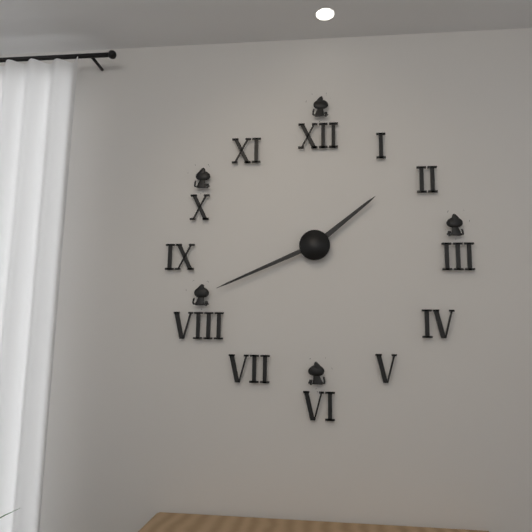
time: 1:41
